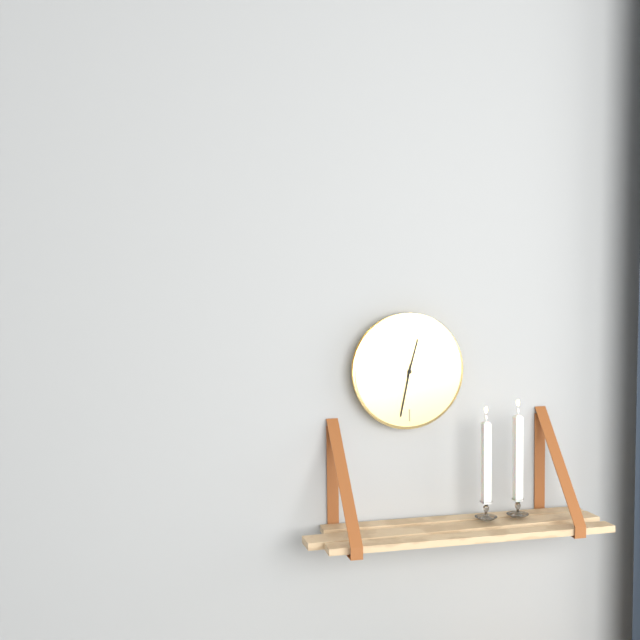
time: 12:32
